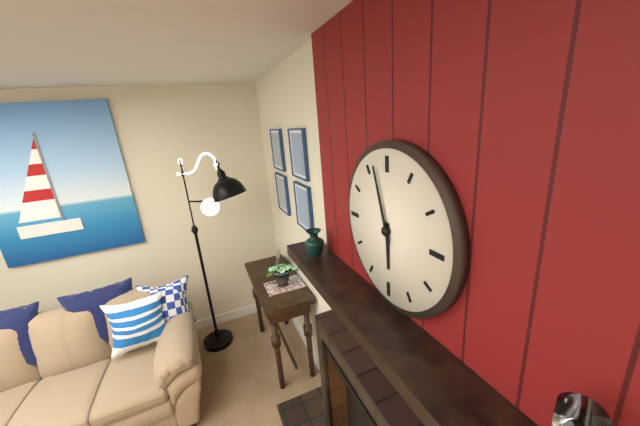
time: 5:57
